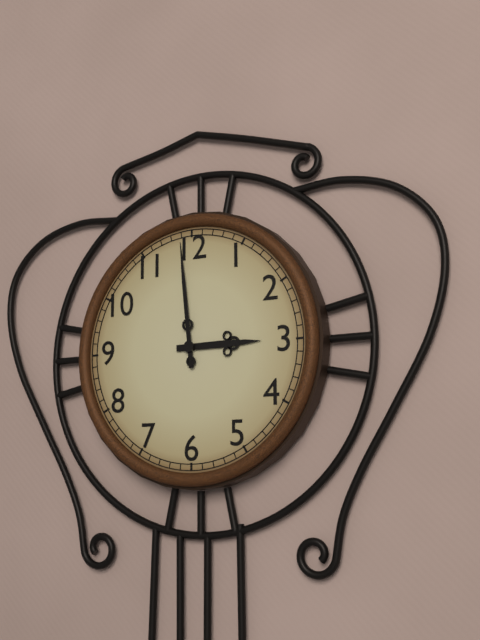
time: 2:59
